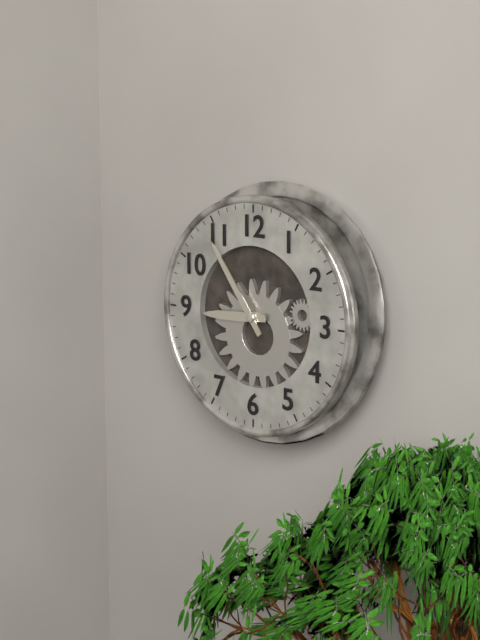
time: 8:54
